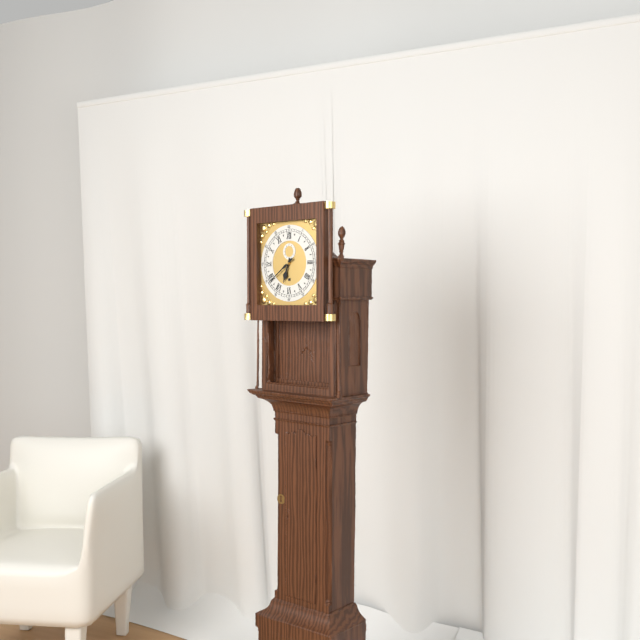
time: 6:39
